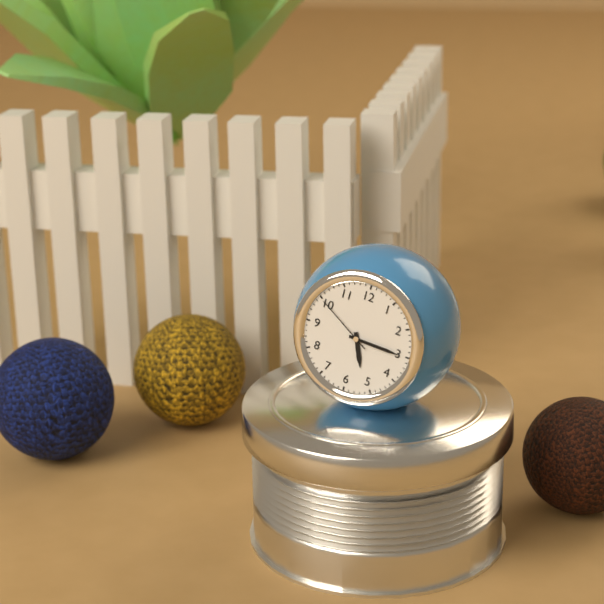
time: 5:15:50
